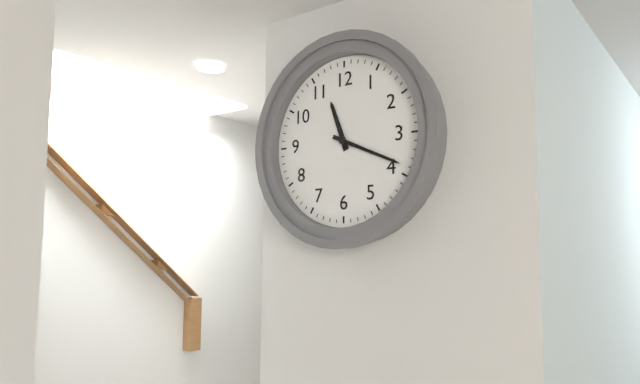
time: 11:19
